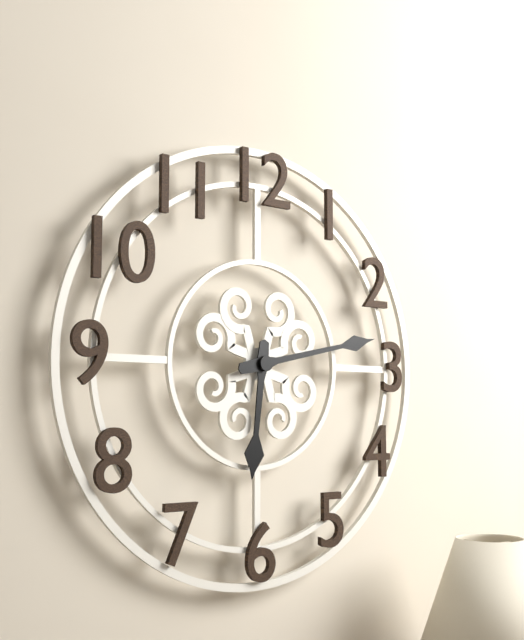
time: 6:13
